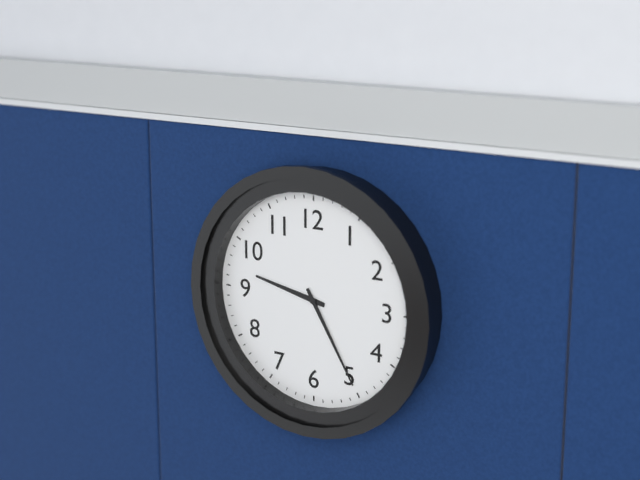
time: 9:25
